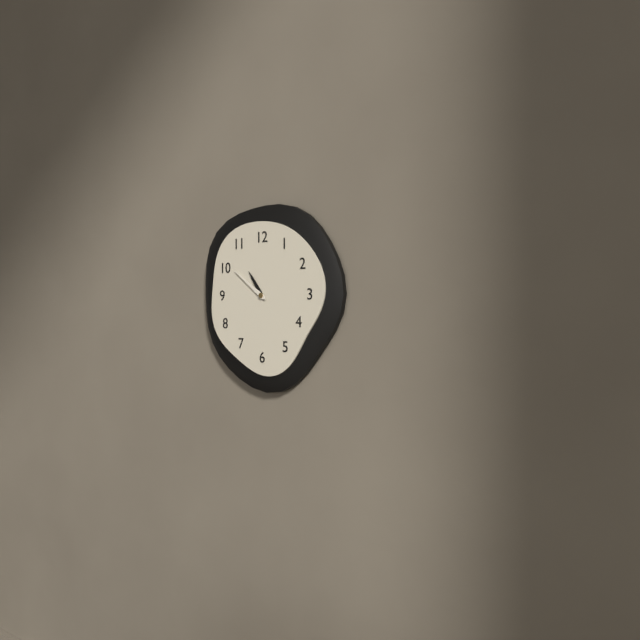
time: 10:51
